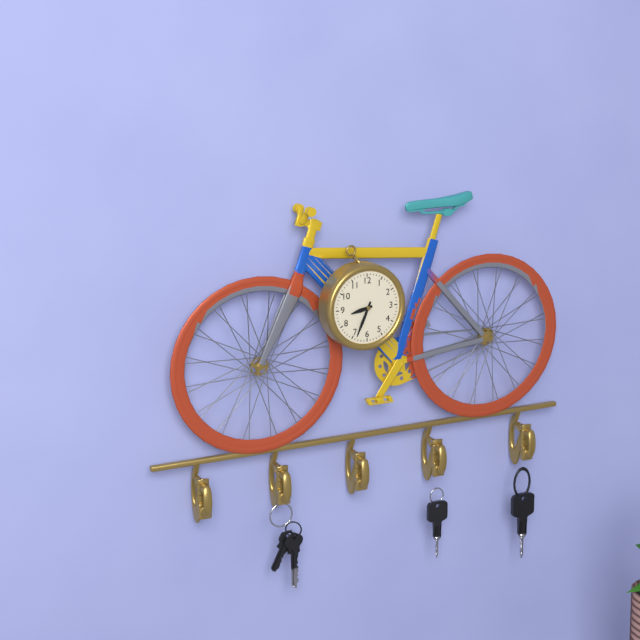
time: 8:34
